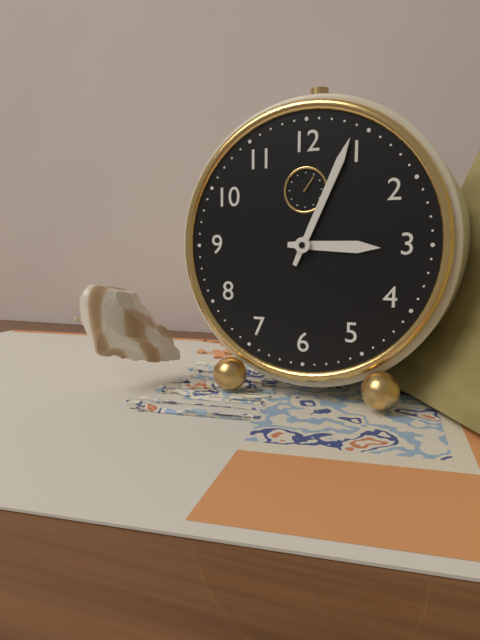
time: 3:04
